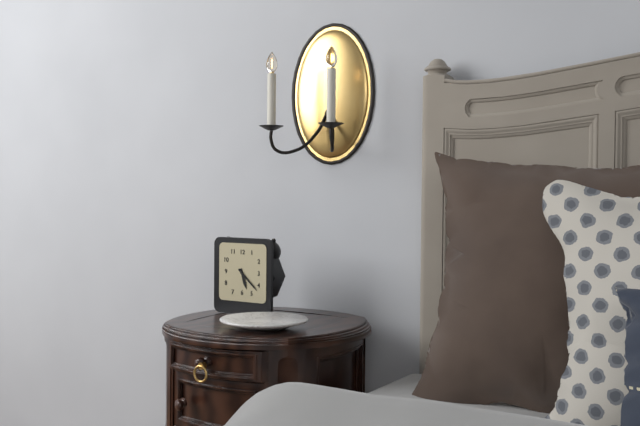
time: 5:22
